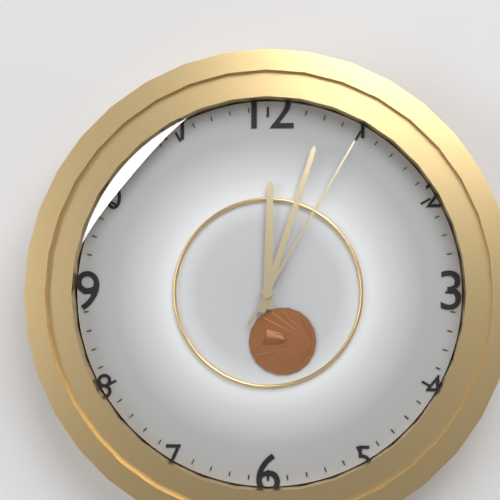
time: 12:03:05
